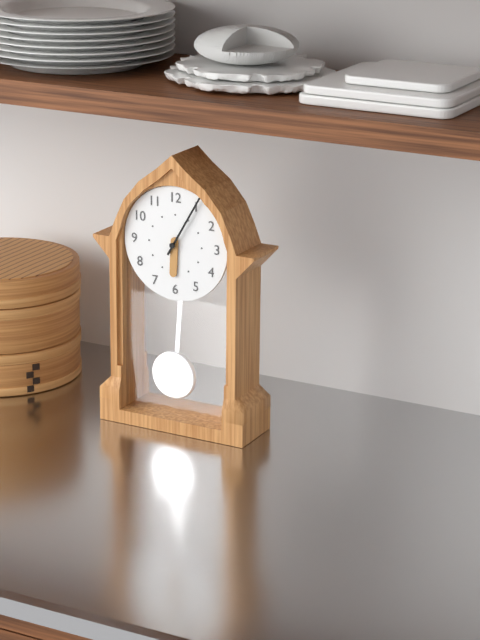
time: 6:05
